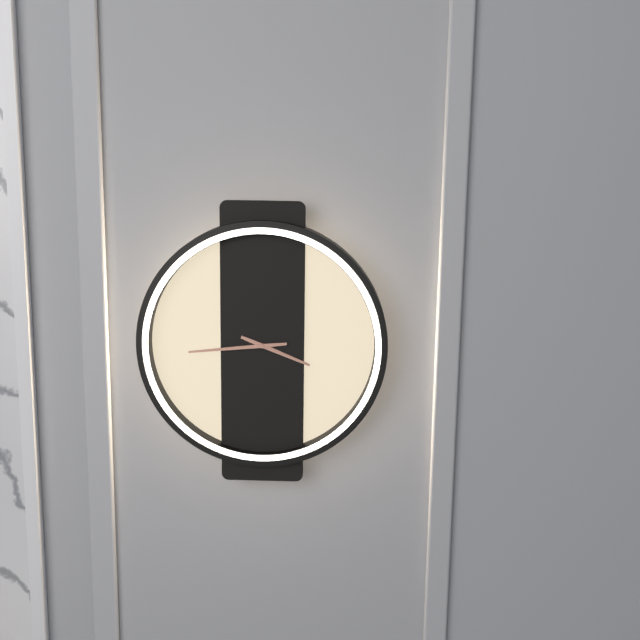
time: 3:44
